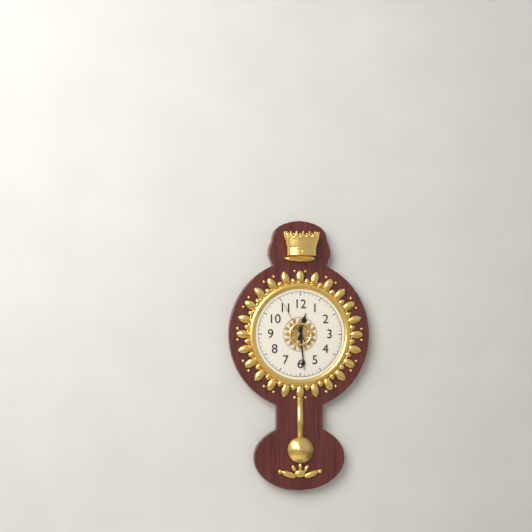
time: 12:29
